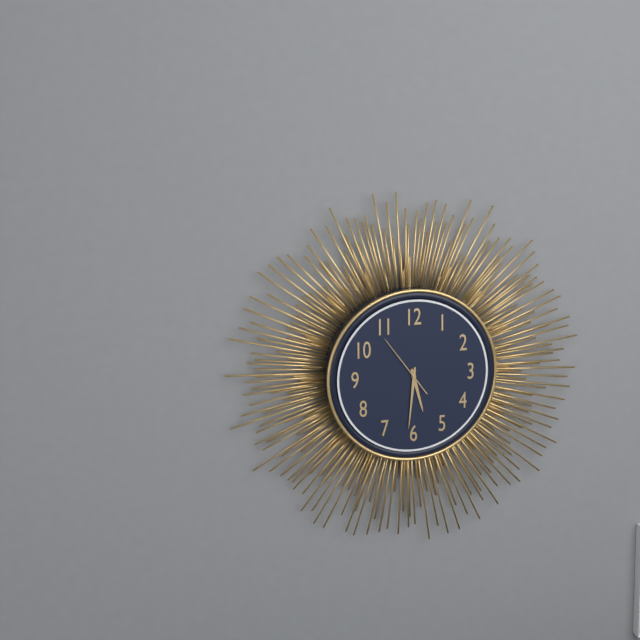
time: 5:31:54
